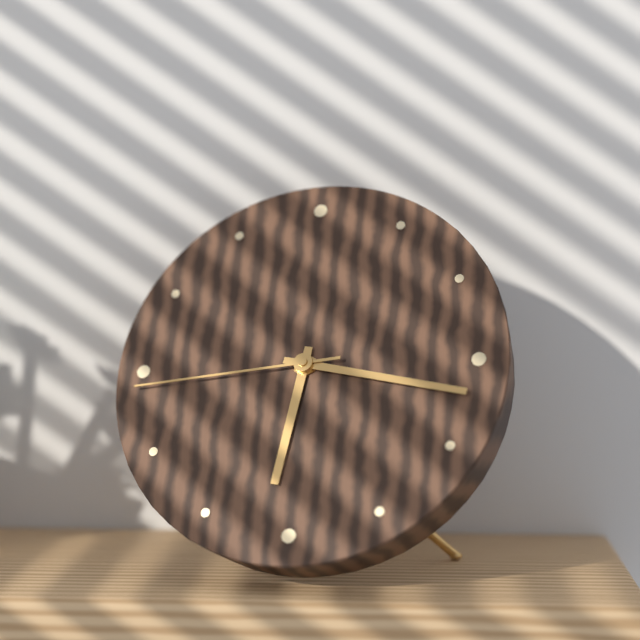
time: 6:17:44
